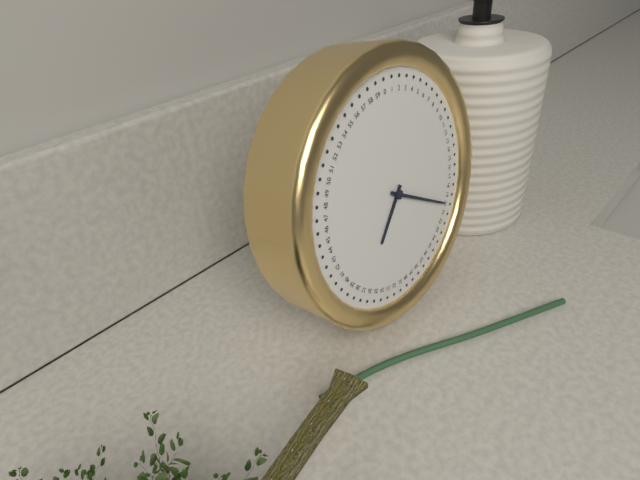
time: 7:20
